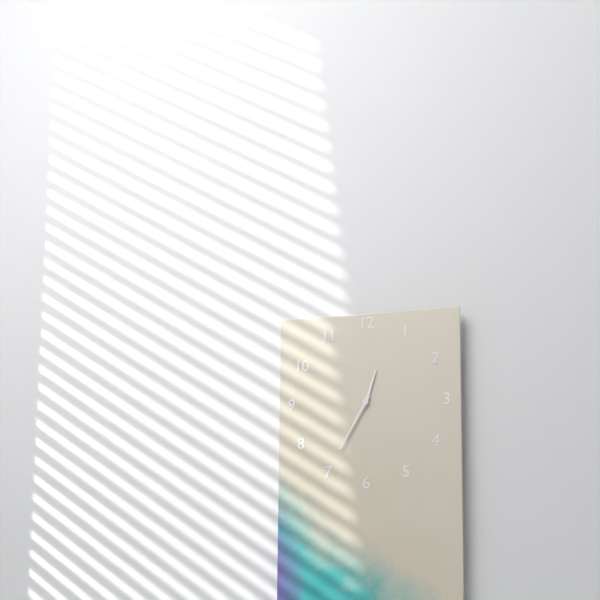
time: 12:35
